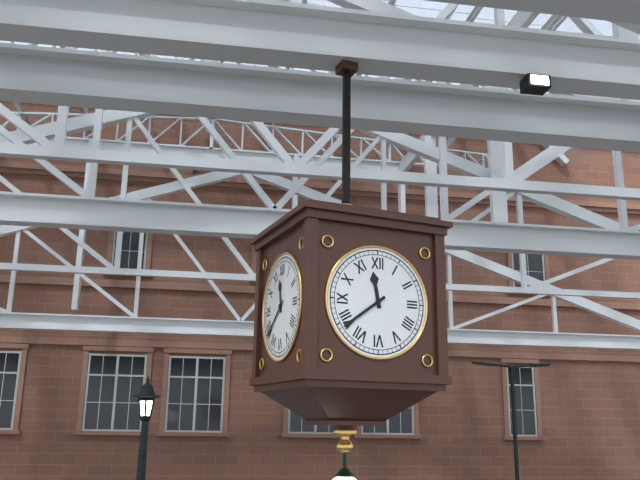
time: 11:39
